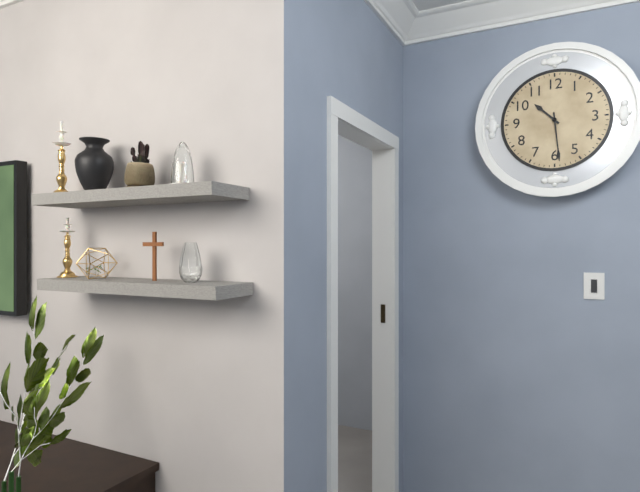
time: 10:29
